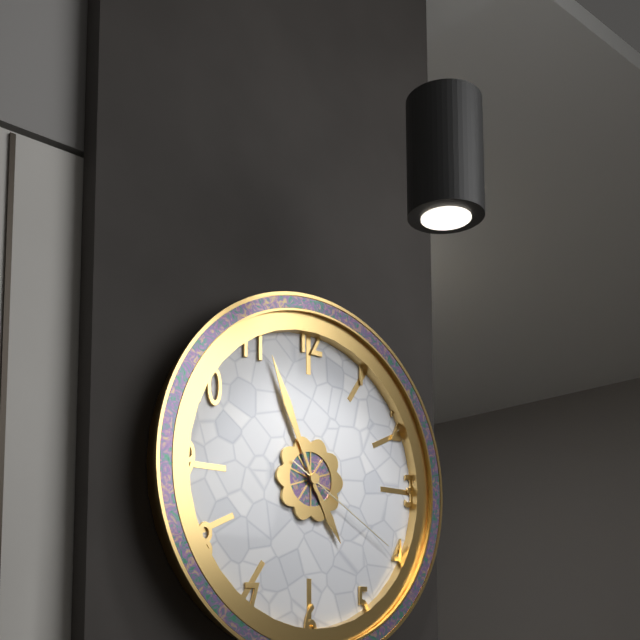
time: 4:56:20
